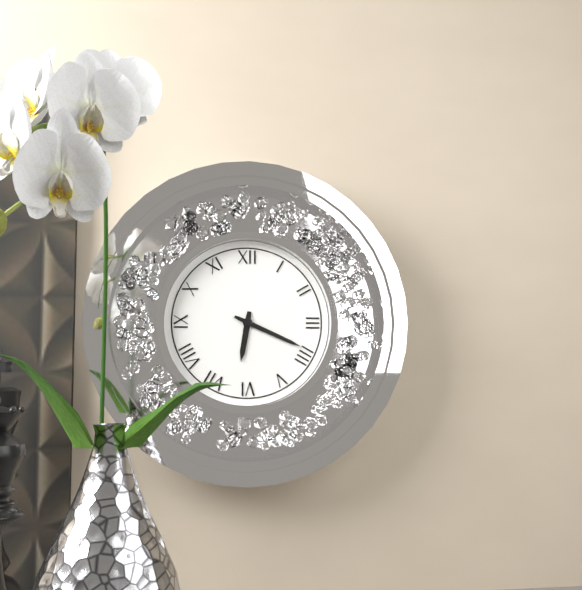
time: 6:19
